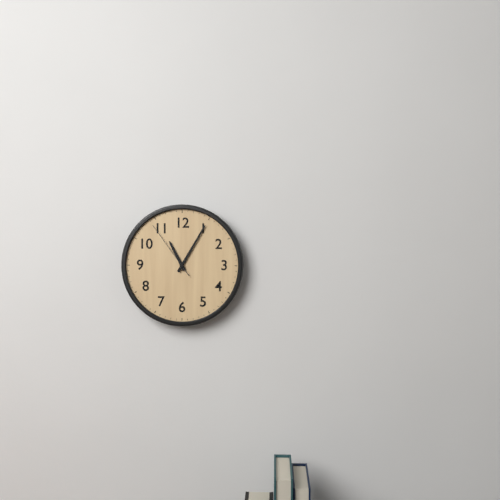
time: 11:05:54
